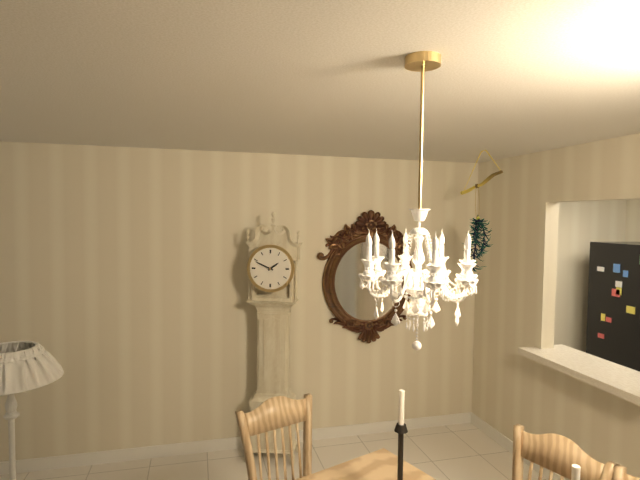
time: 1:49
